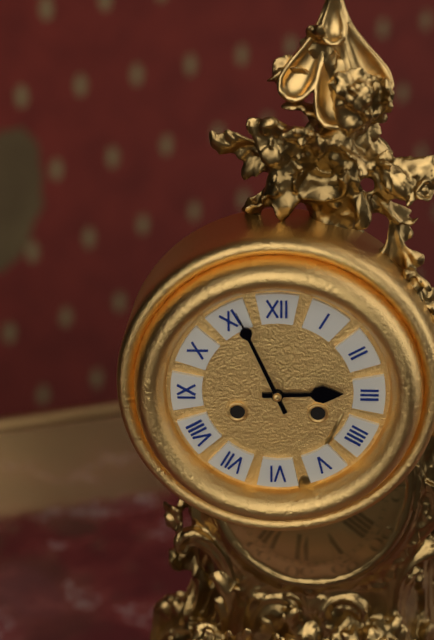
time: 2:56
